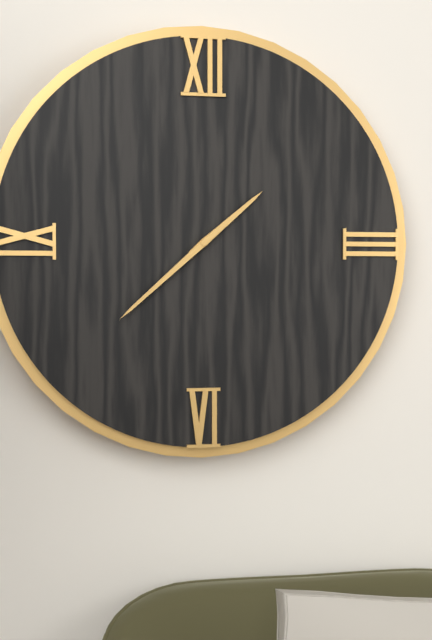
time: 1:38
